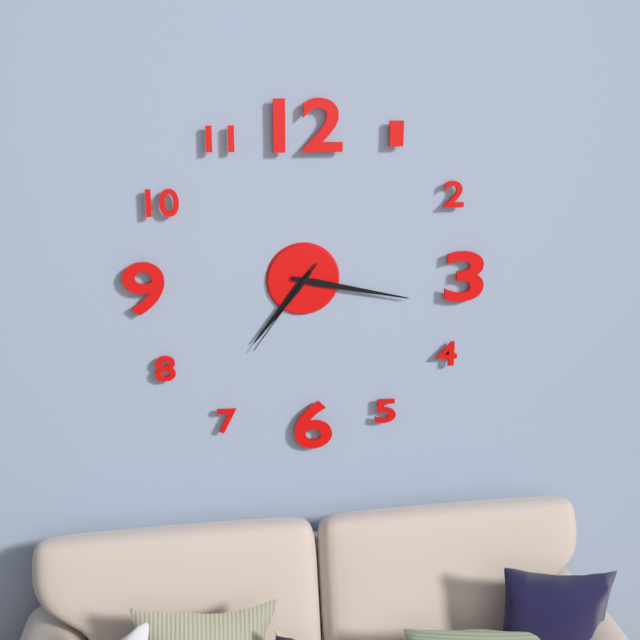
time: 7:17:36
